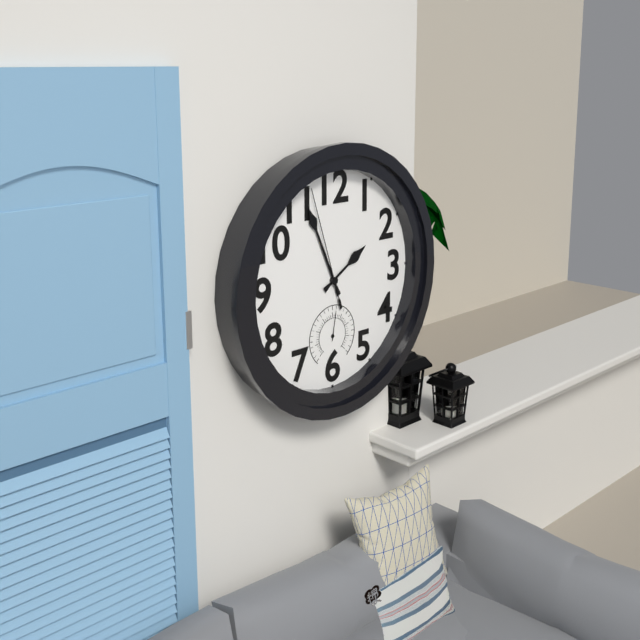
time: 1:56:57
